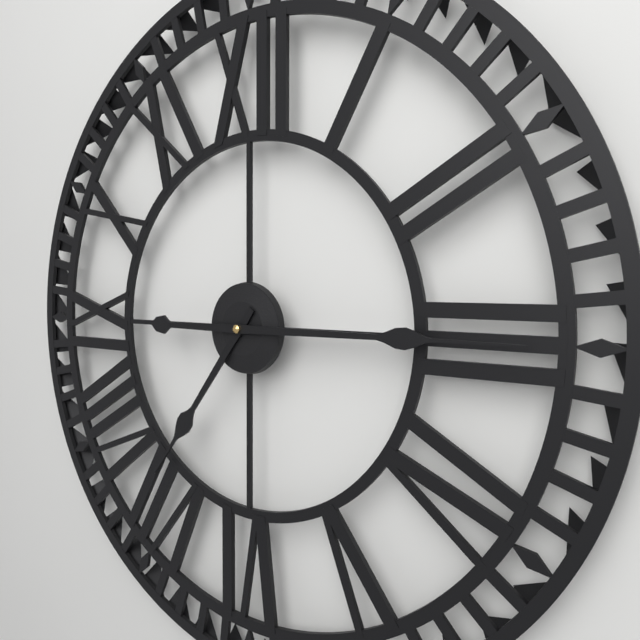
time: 7:15
